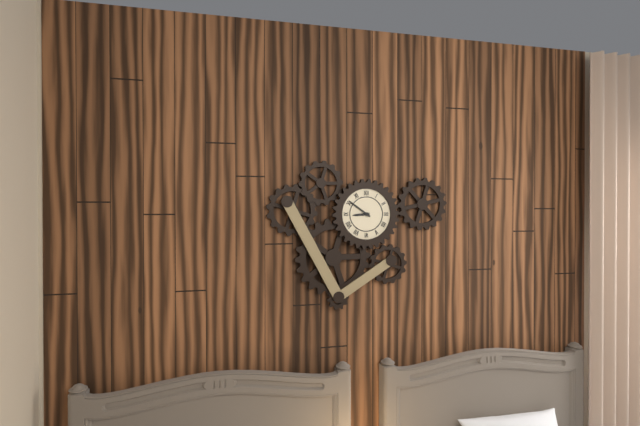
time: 8:51
